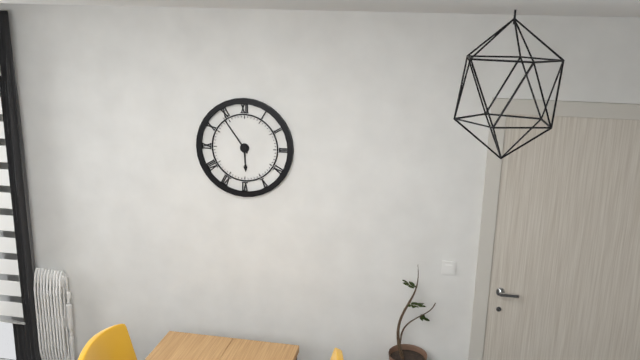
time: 5:54
